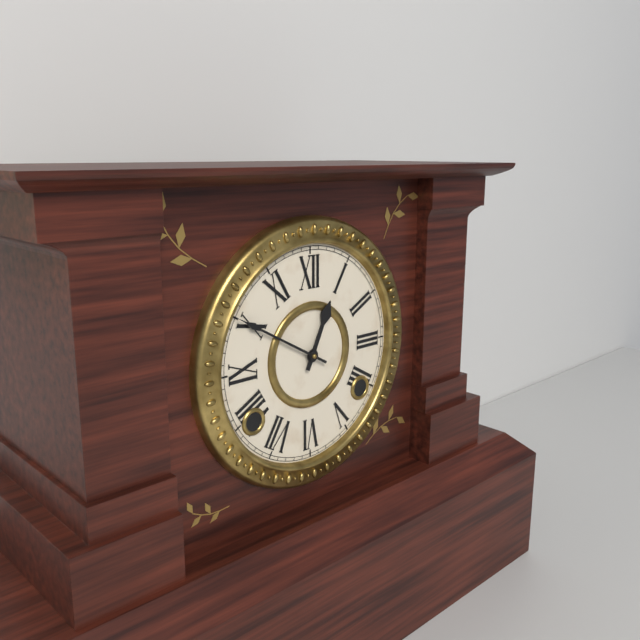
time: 12:50
